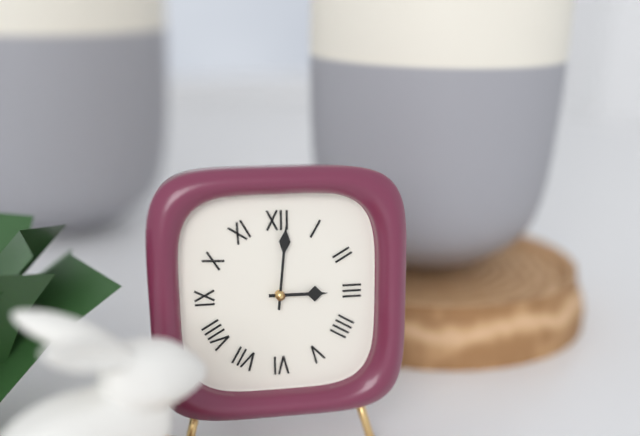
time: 3:01
